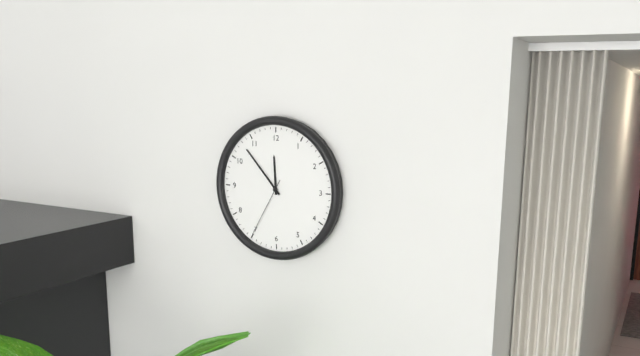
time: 11:53:35
